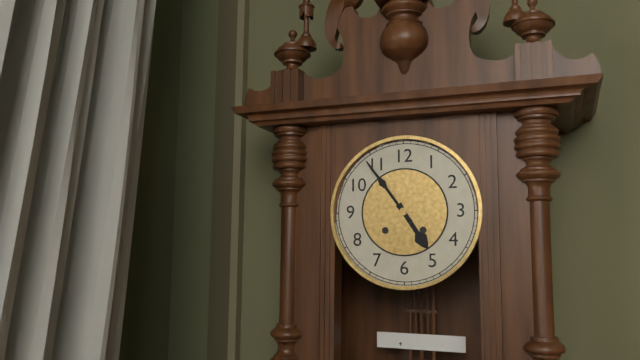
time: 4:54
